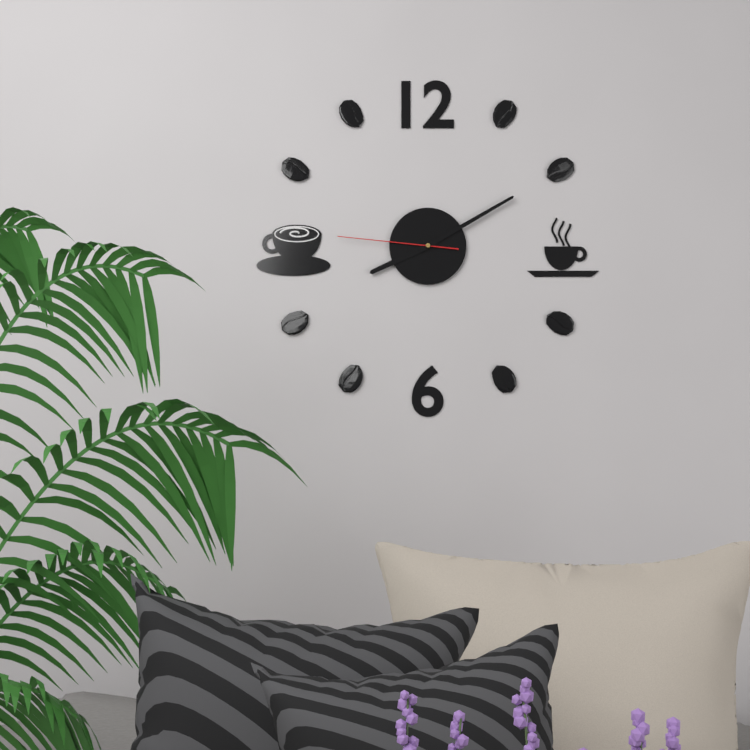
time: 8:10:46
